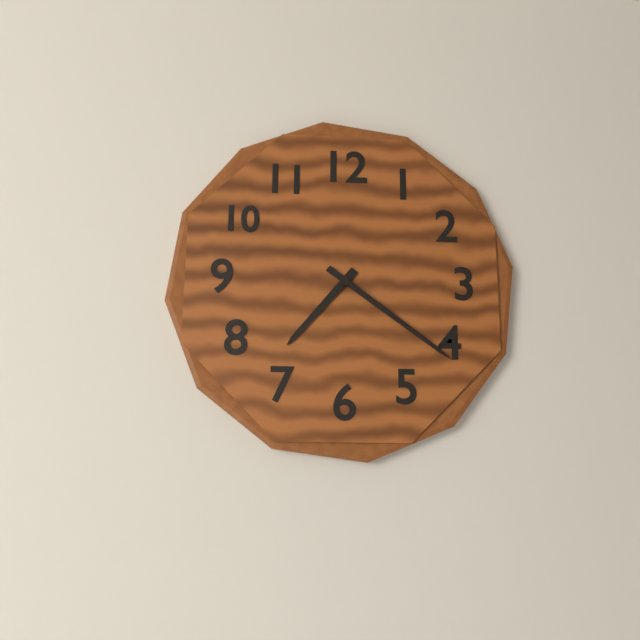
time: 7:21
